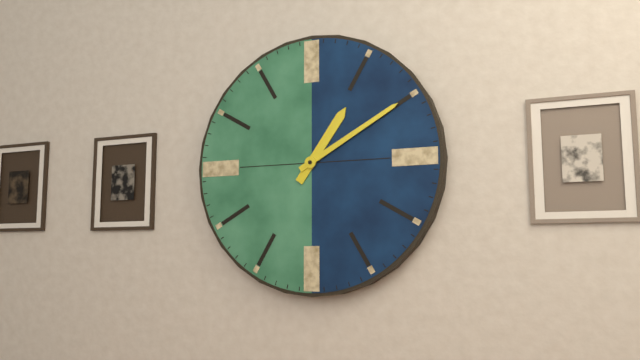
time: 1:10
